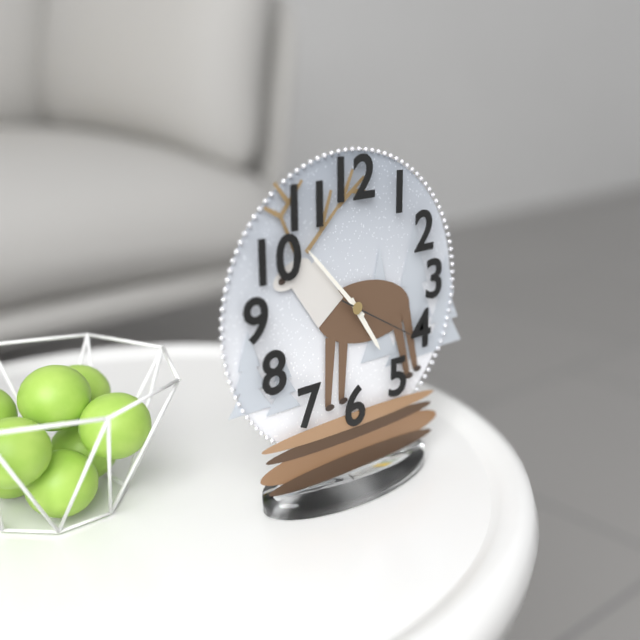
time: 4:53:20
